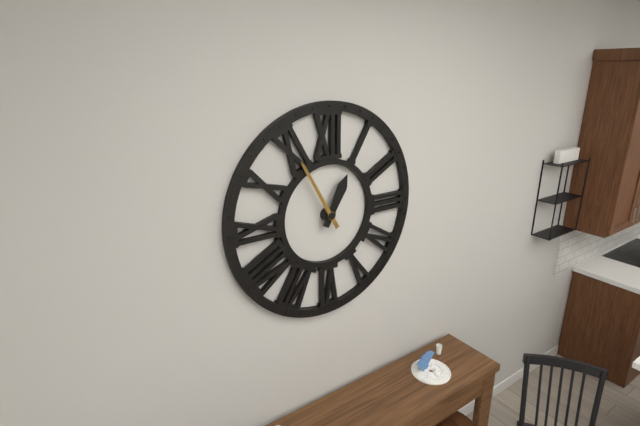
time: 12:55
